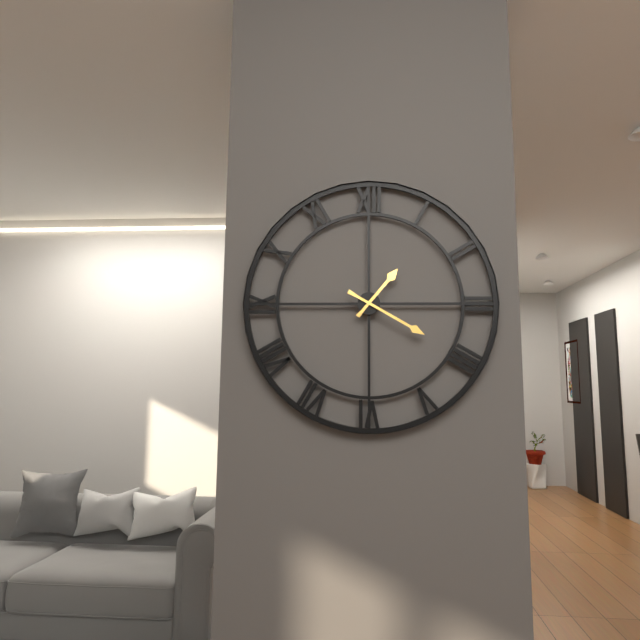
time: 1:20
